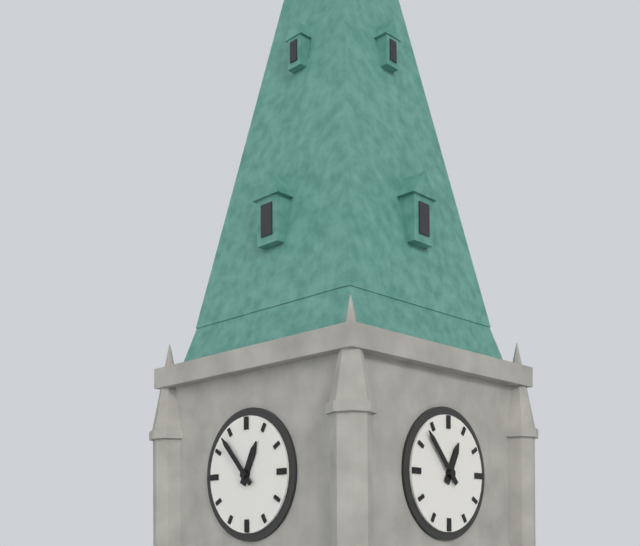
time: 12:53
